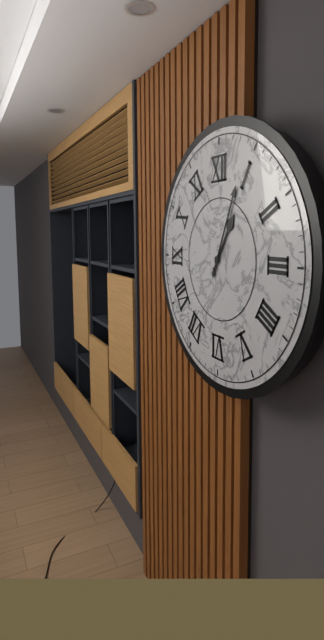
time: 1:04
